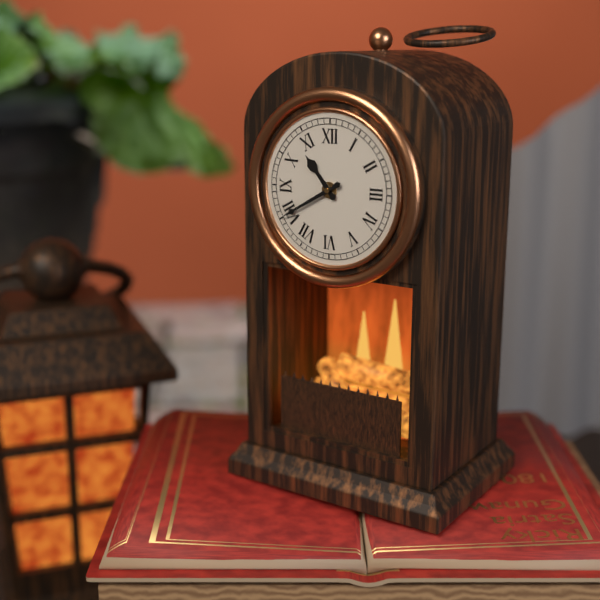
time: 10:40
